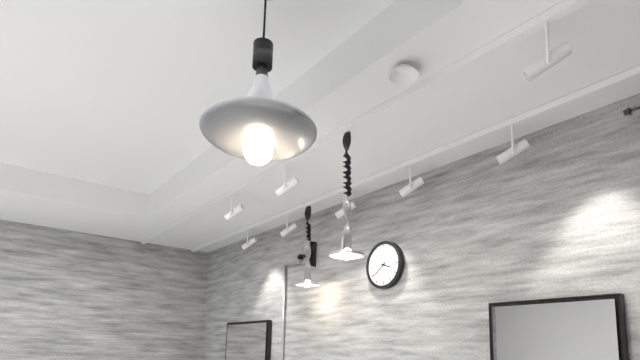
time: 3:39
